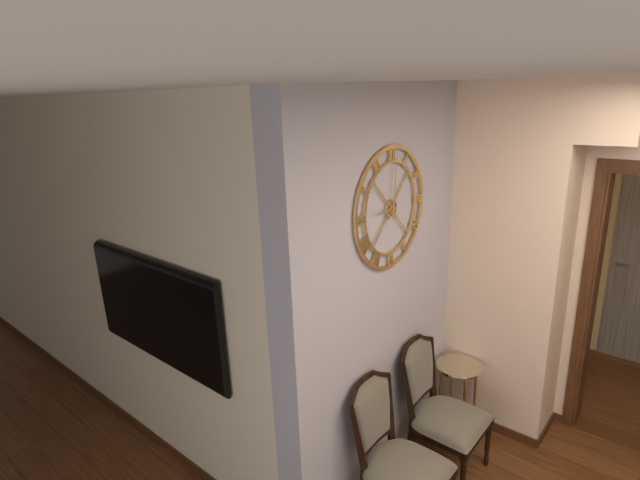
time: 9:01
